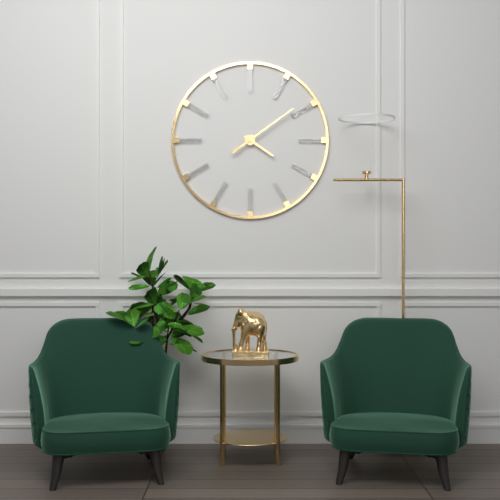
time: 4:09
